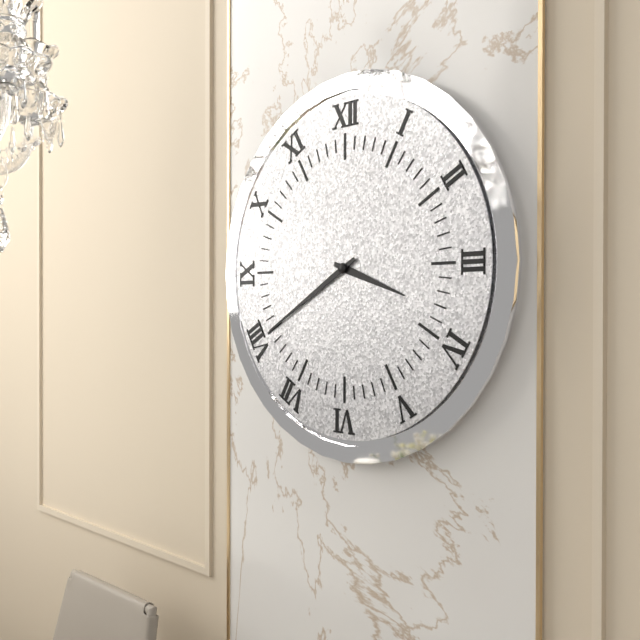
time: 3:40
